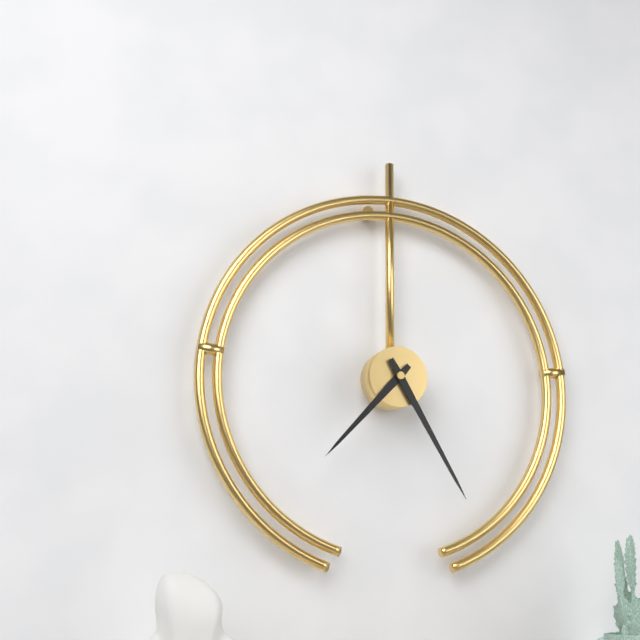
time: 7:25
